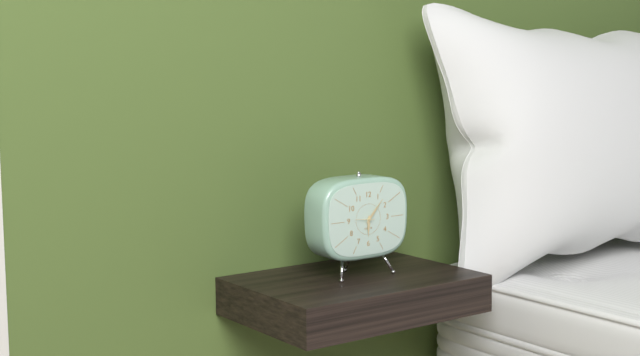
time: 6:07
